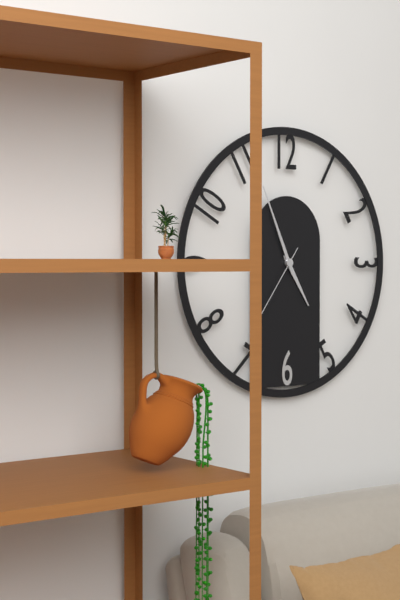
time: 4:56:36
